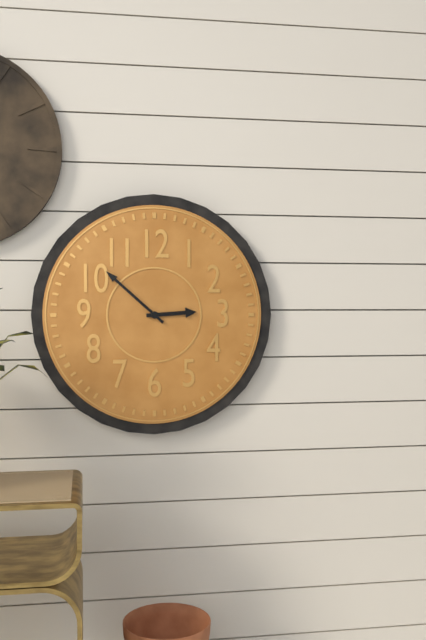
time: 2:52
